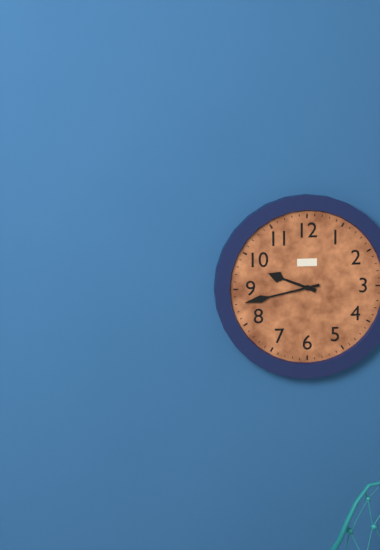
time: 9:43
